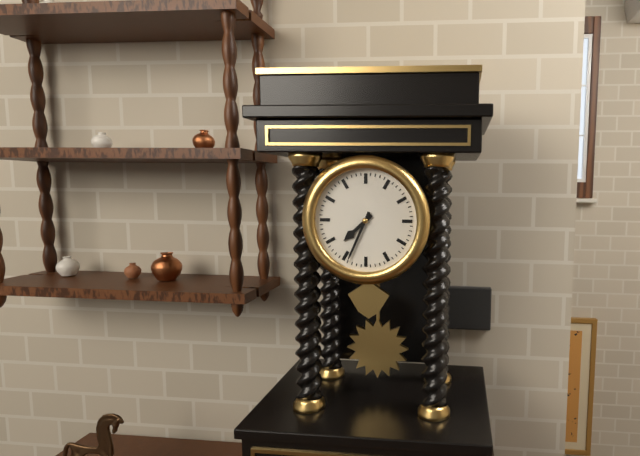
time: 7:34
